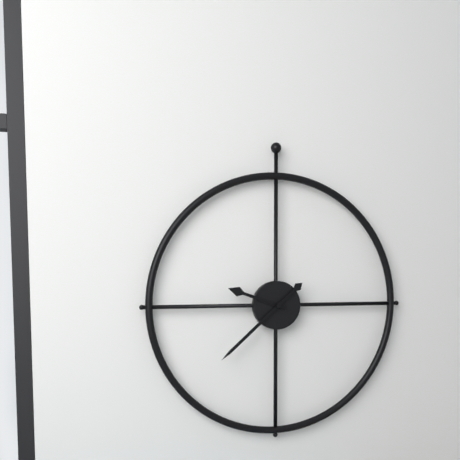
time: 9:38
